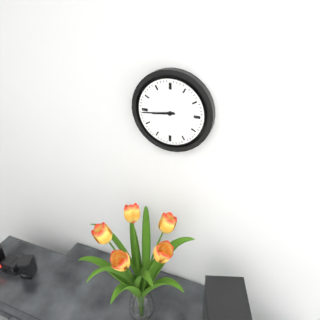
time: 8:44
